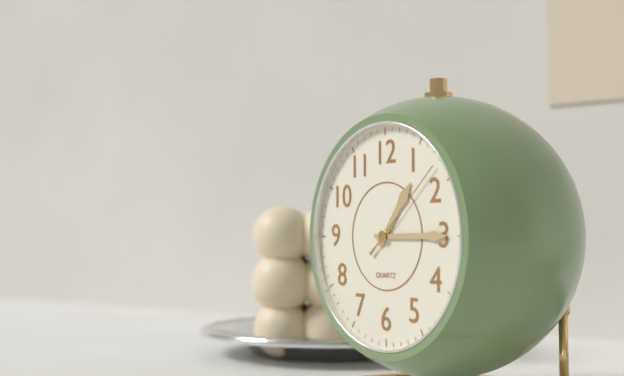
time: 1:15:08
